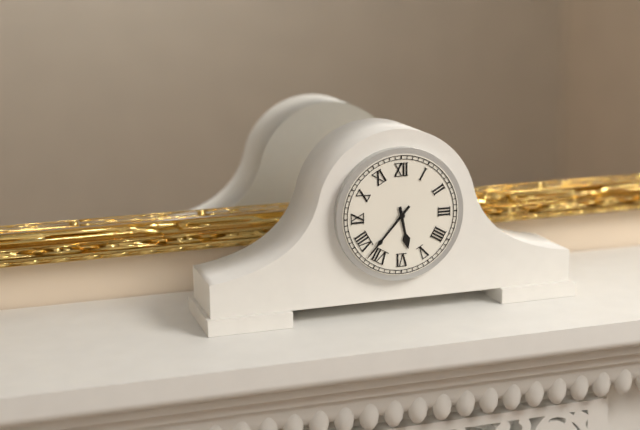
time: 5:37
